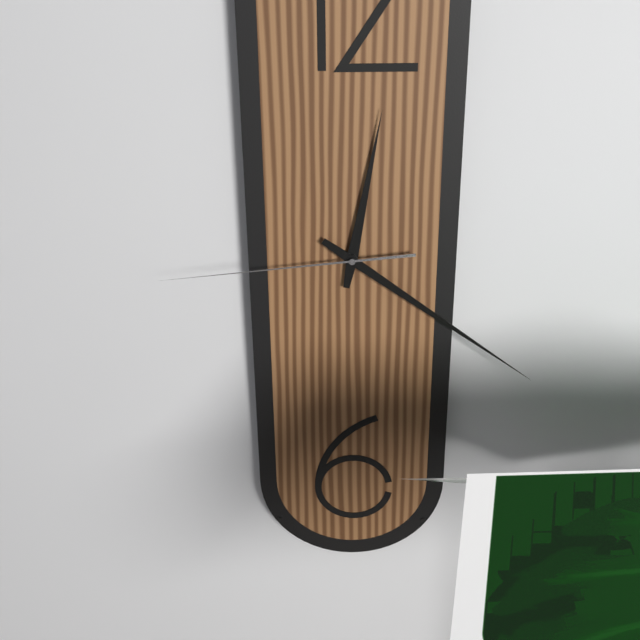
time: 12:21:44
